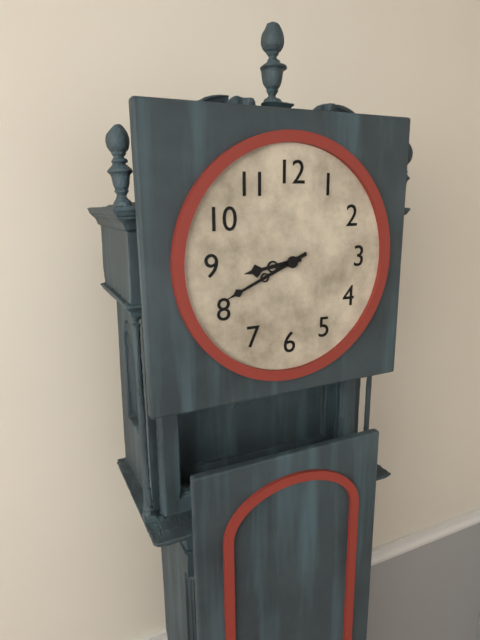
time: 8:41
